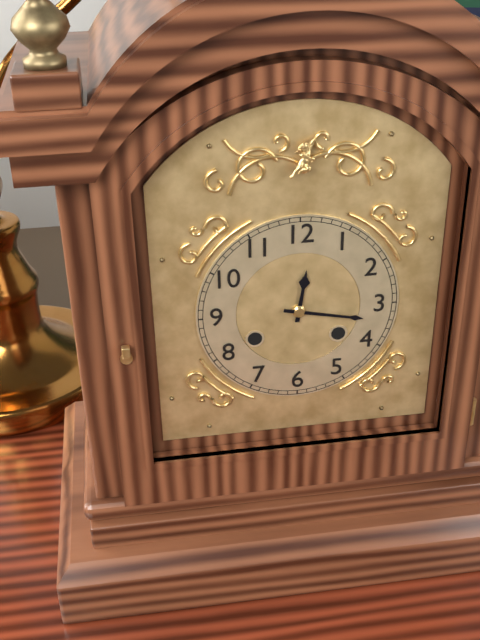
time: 12:17
